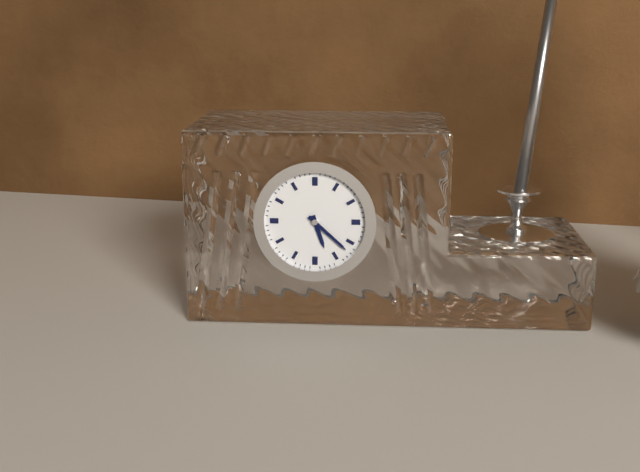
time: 5:22
